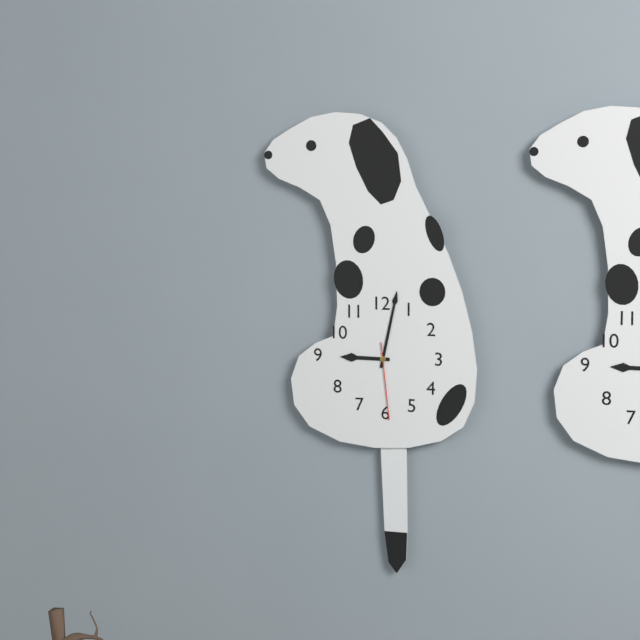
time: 9:02:29
